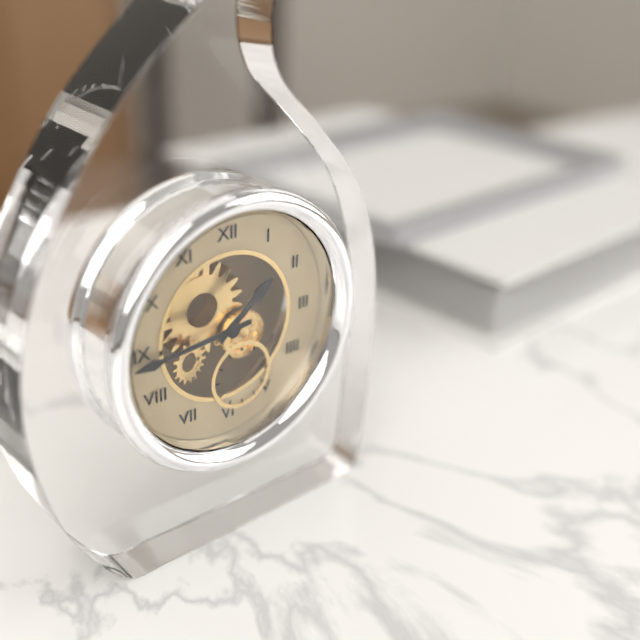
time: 1:44
